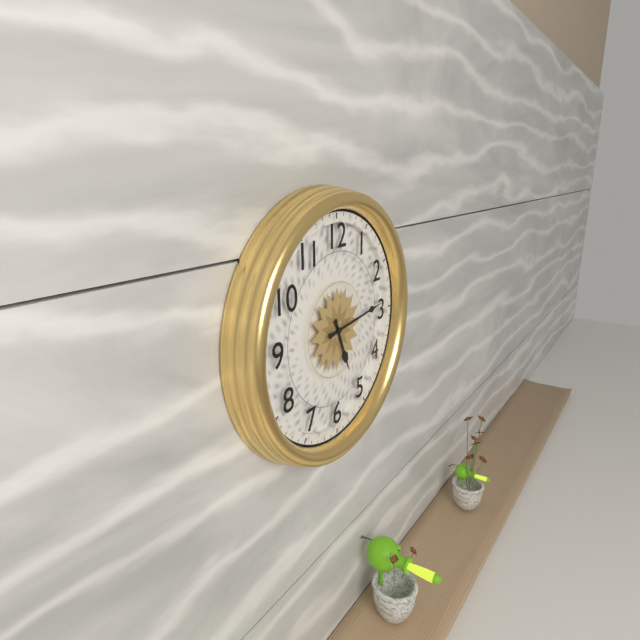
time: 5:14
